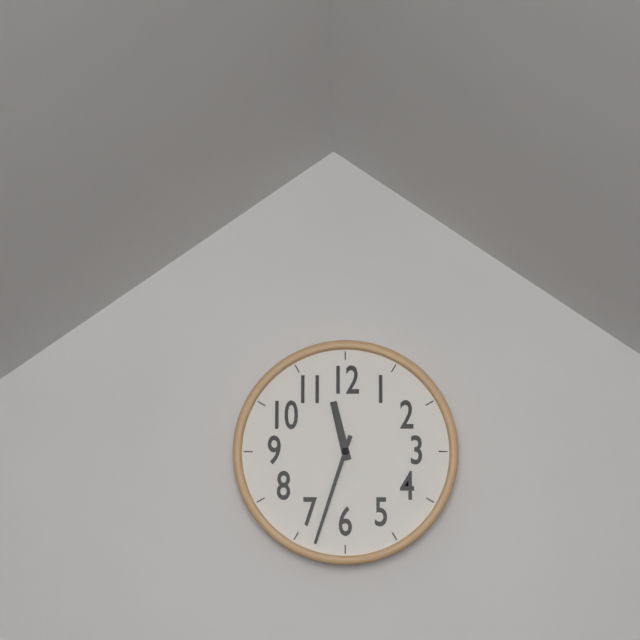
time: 11:33
